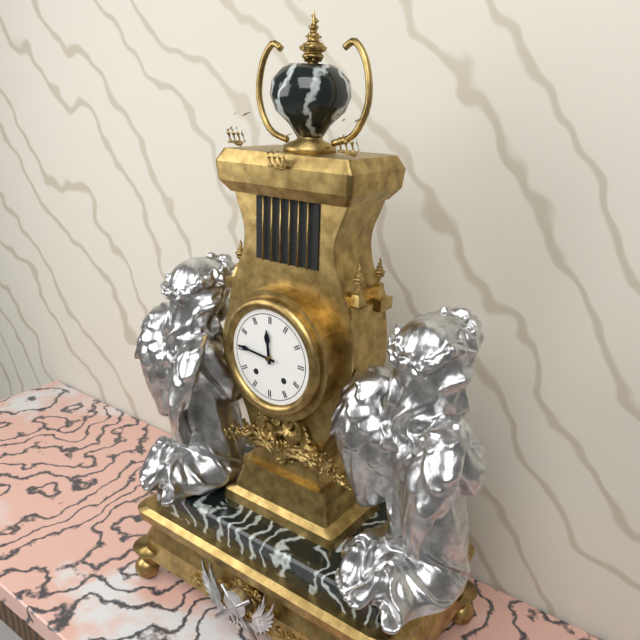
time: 11:46
